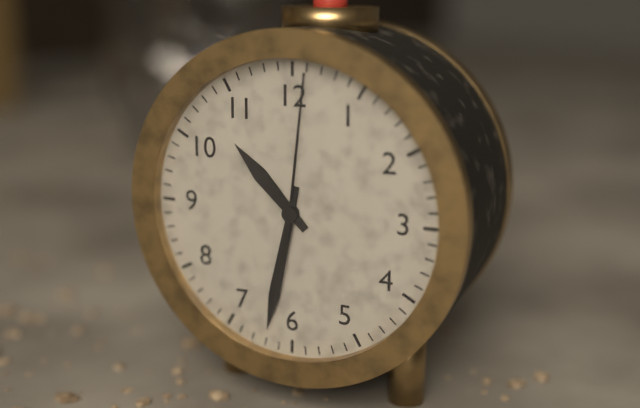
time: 10:32:01
